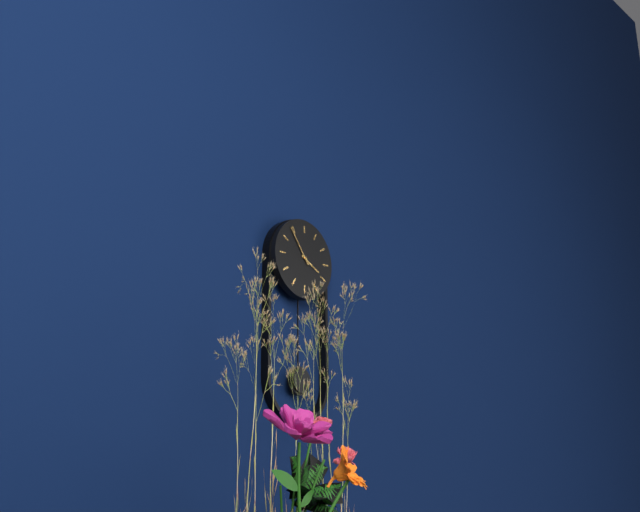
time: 3:54
